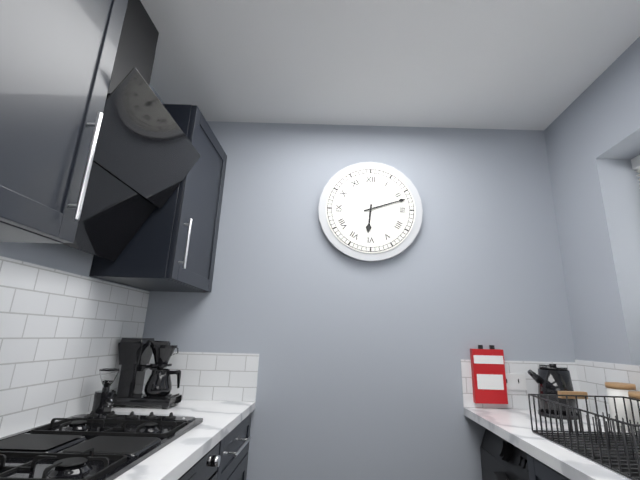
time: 6:12
